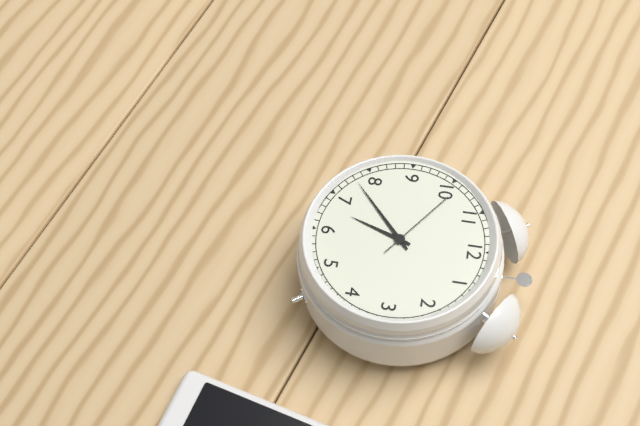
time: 6:38:51
